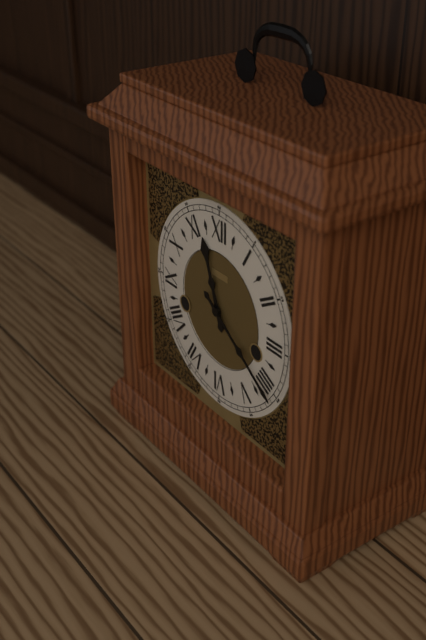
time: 11:21
